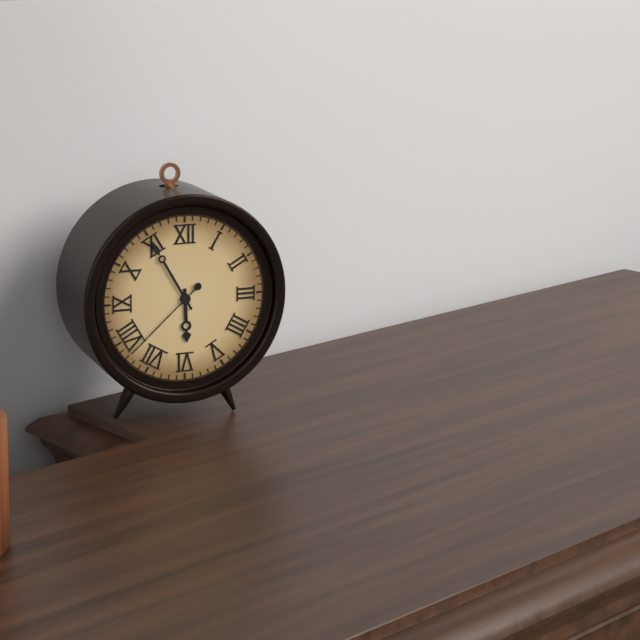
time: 5:55:38
